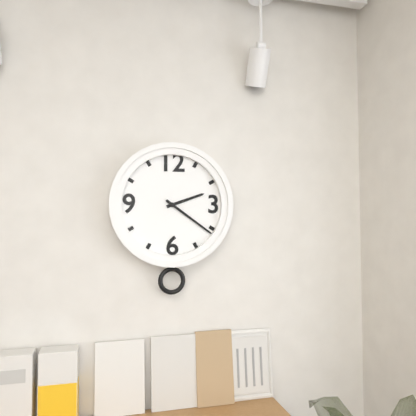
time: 2:21
